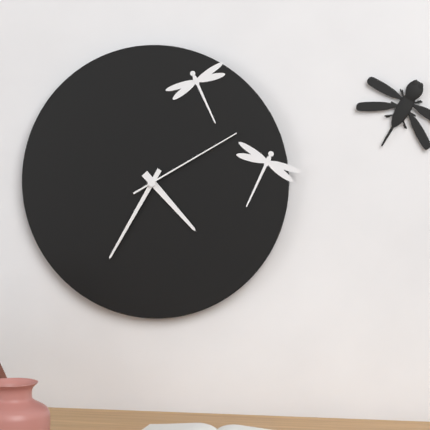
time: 4:35:10
